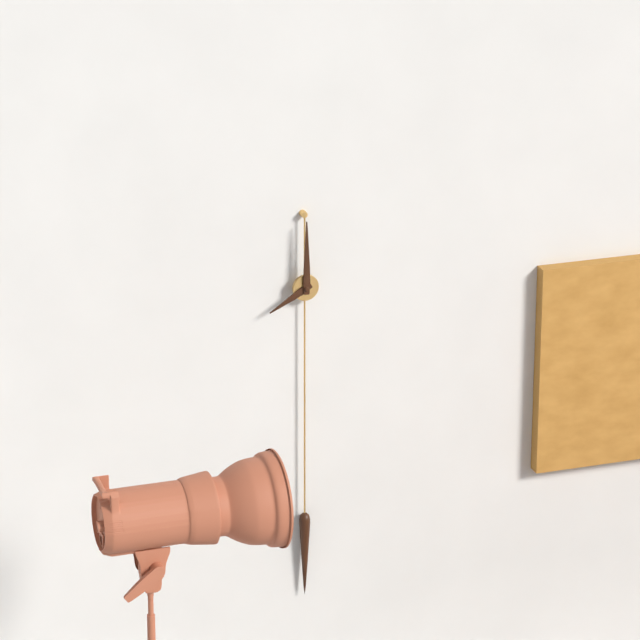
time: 8:00
